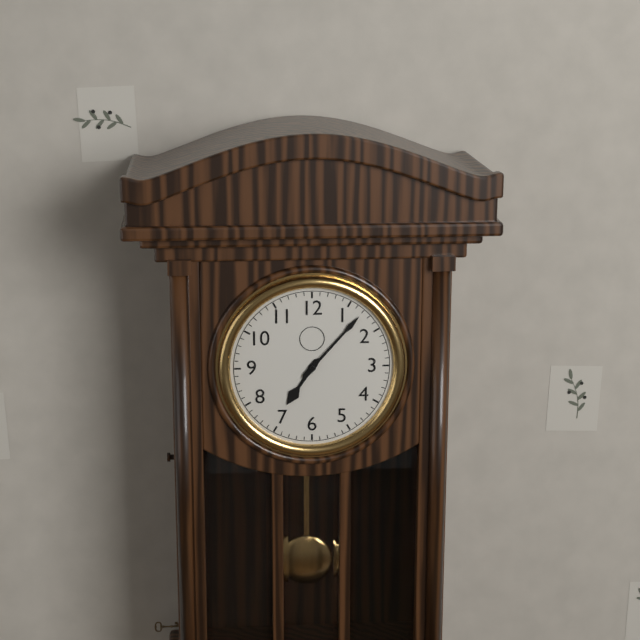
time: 7:07
